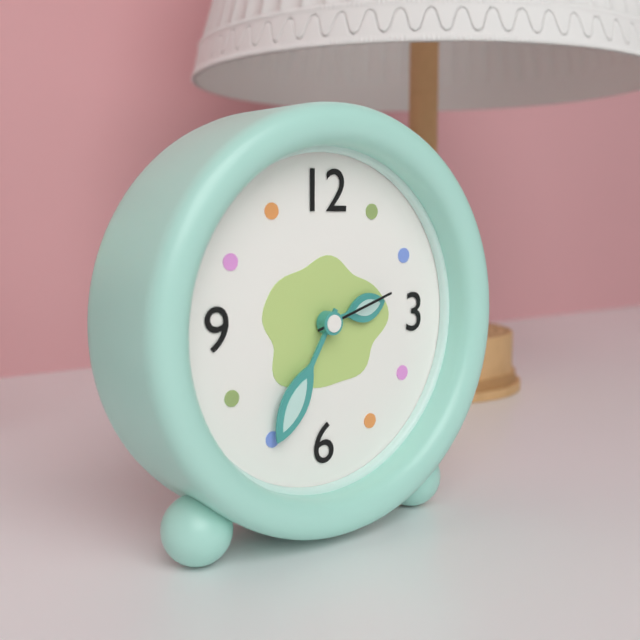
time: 2:35:12
